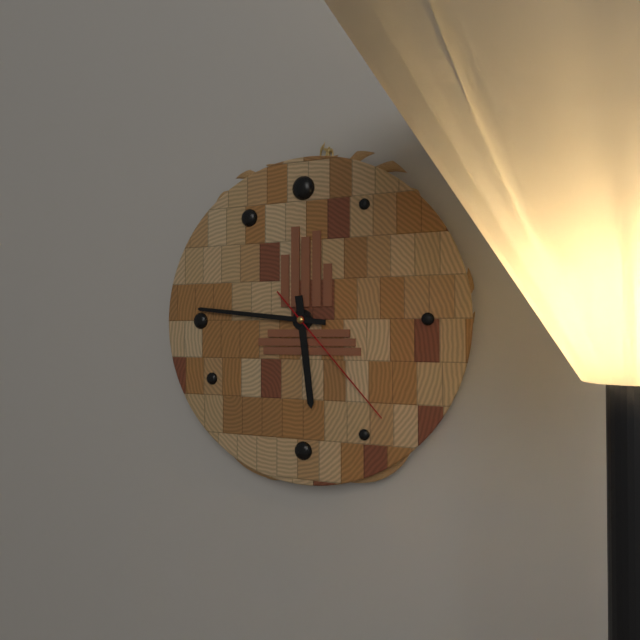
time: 5:46:23
